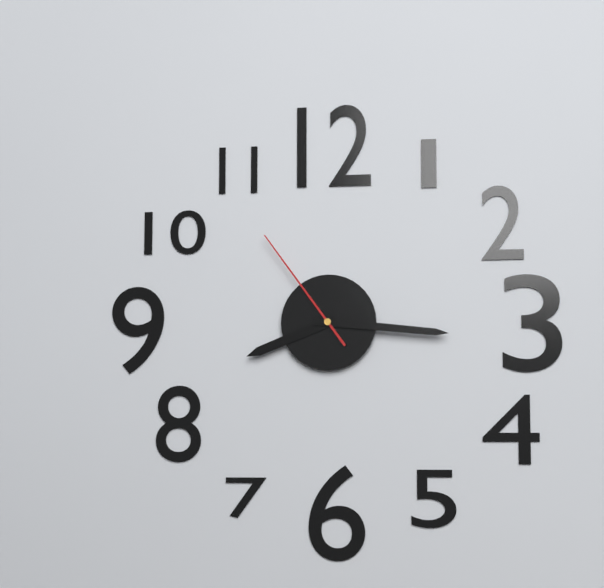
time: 8:16:54
